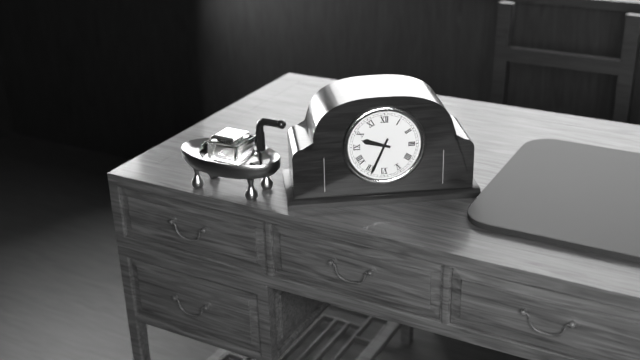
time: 9:34
